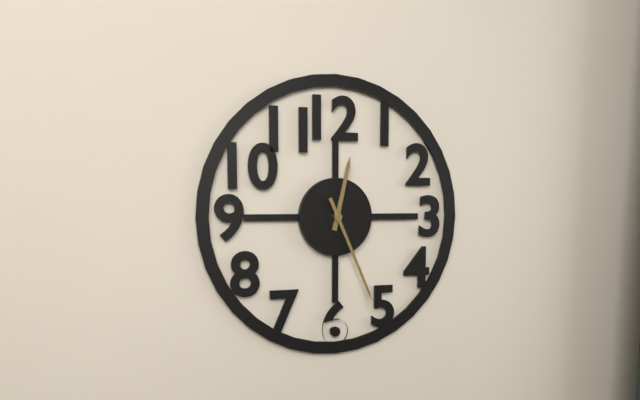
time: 12:26
